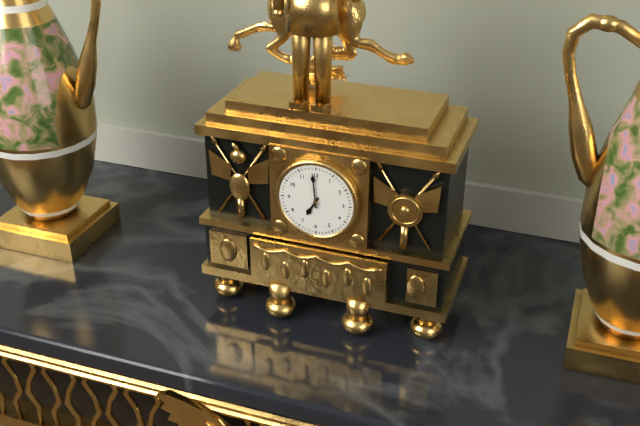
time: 6:59
